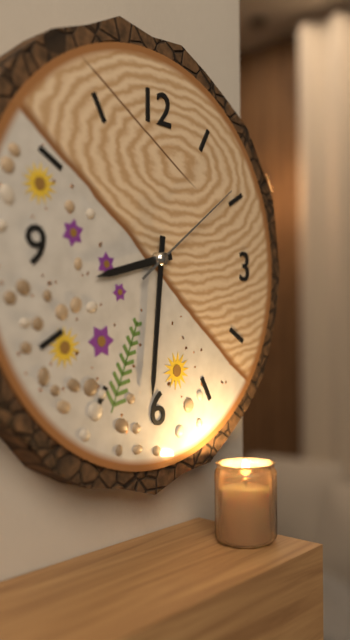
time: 8:31:09
